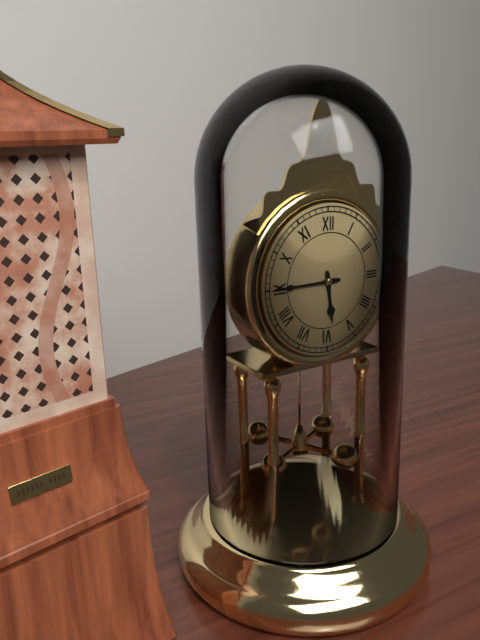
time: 5:45
